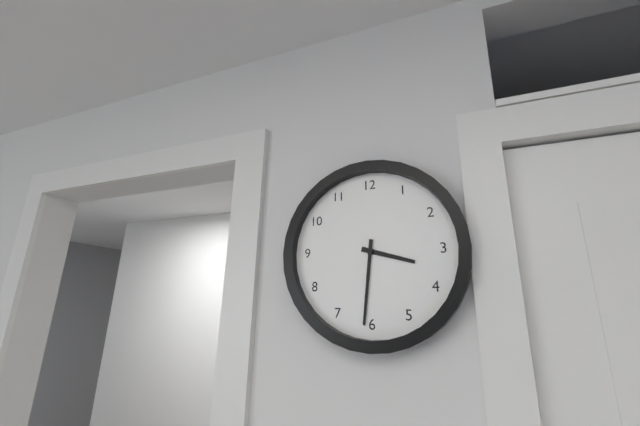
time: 3:31
